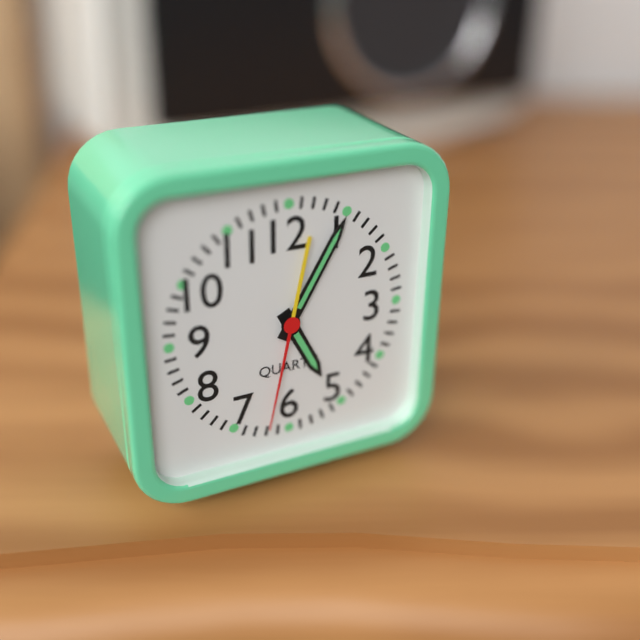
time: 5:05:32
